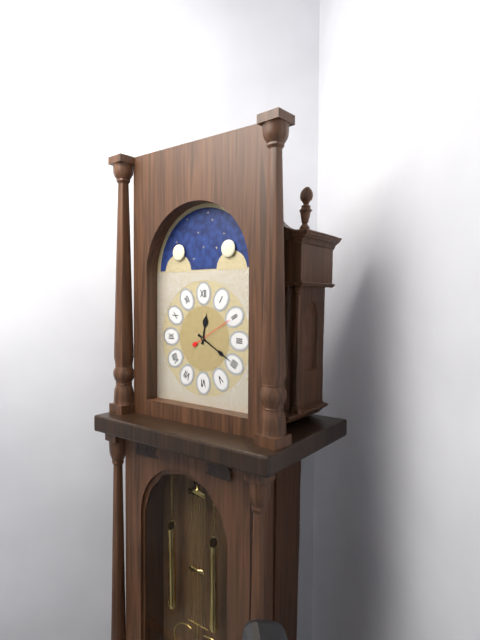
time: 12:20
